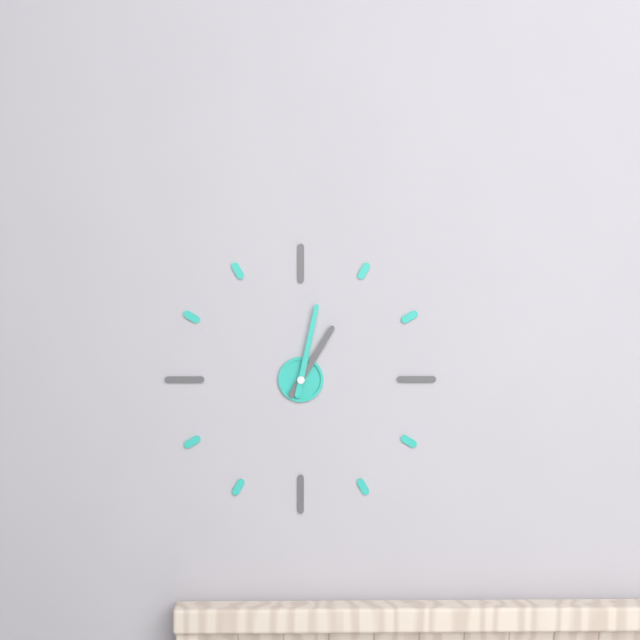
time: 1:02
